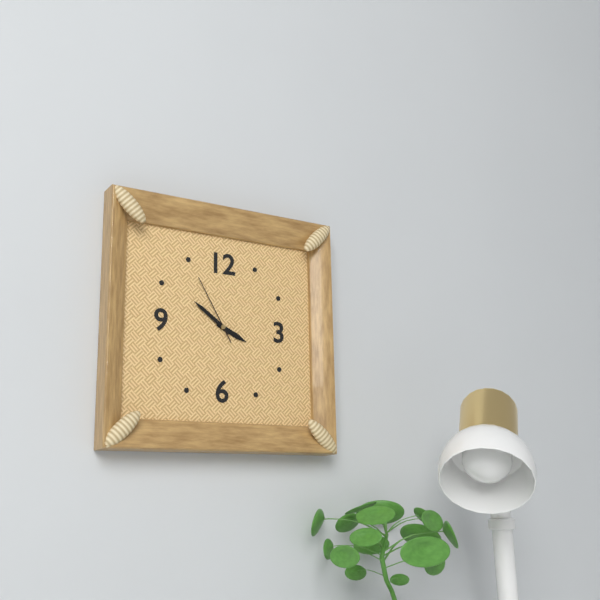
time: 3:51:55
